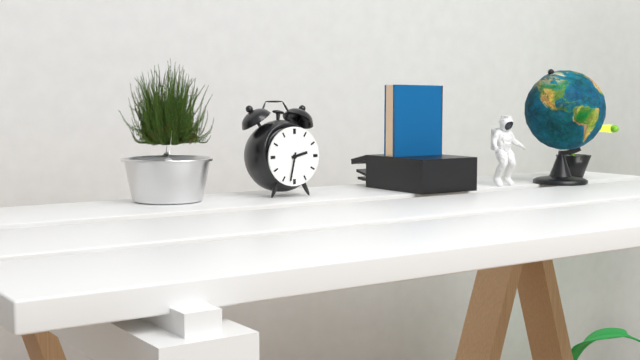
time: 2:32
